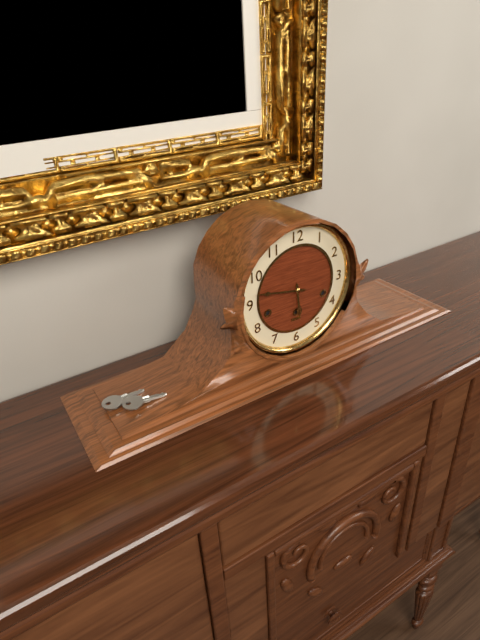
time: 5:47
